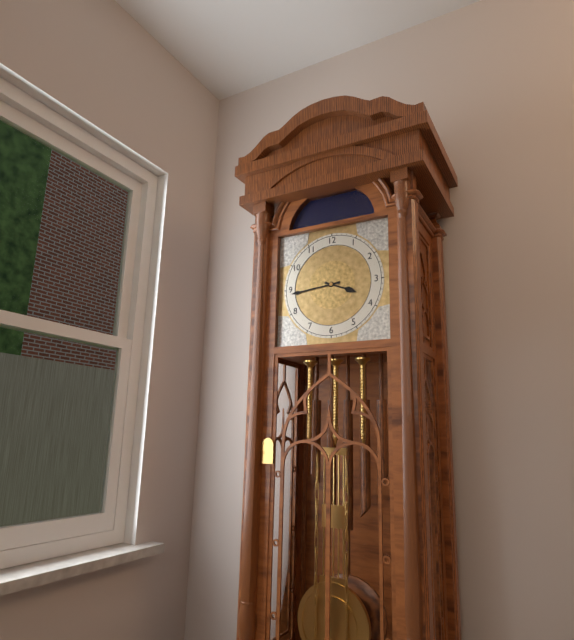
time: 3:44
